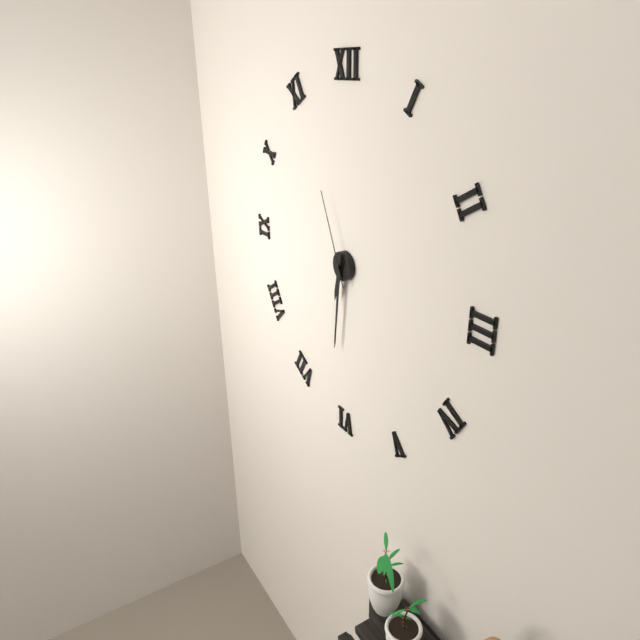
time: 6:31:56
